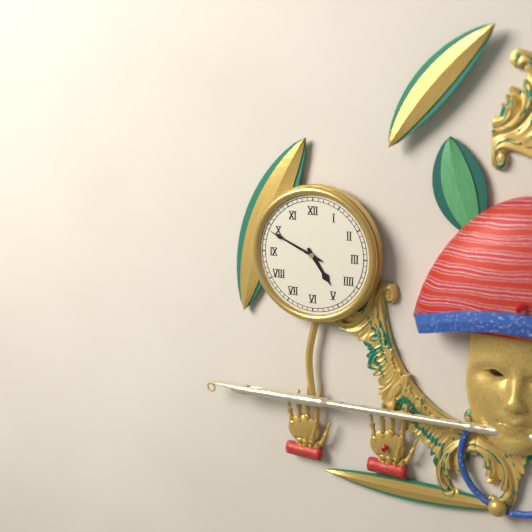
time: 4:49
